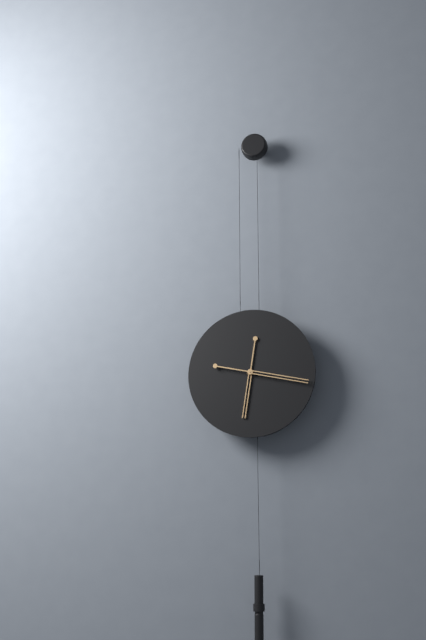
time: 6:17
